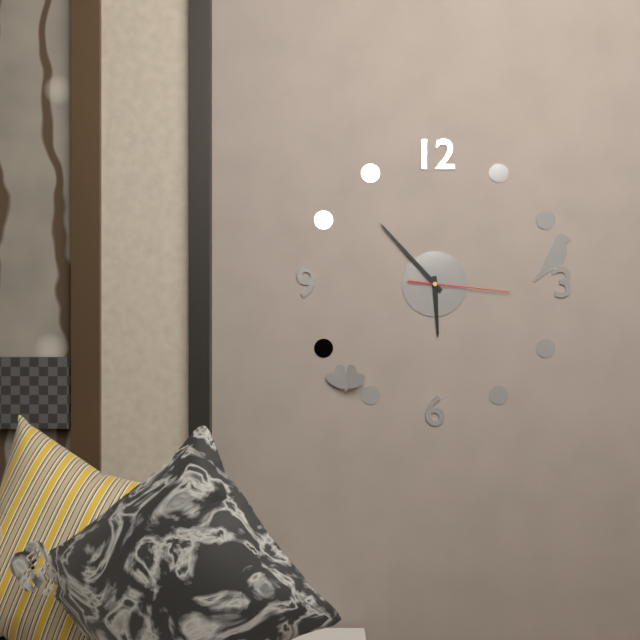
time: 5:53:16
